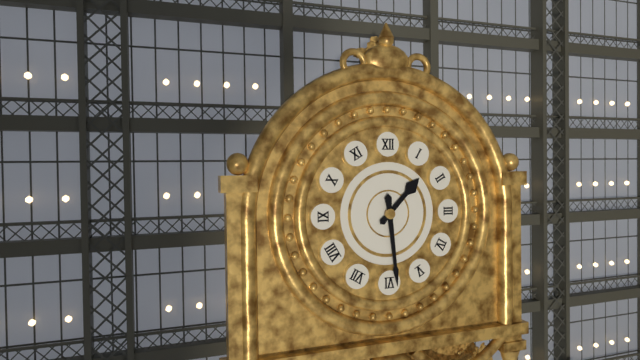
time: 1:29
